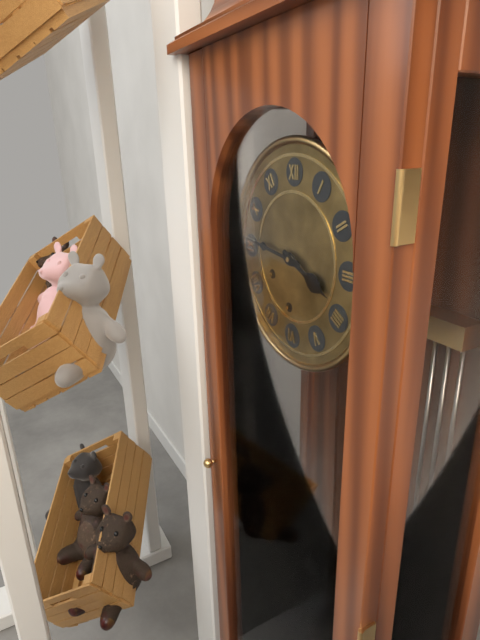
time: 3:46
